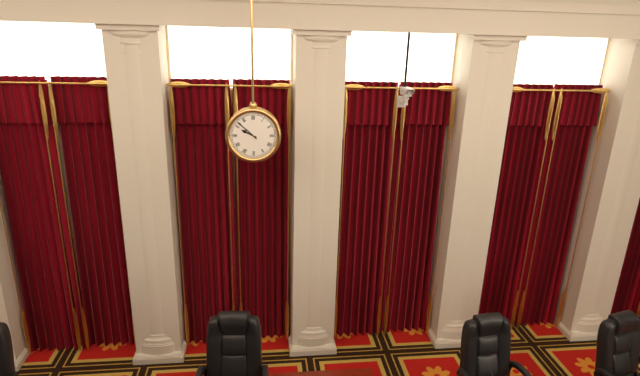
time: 9:52
